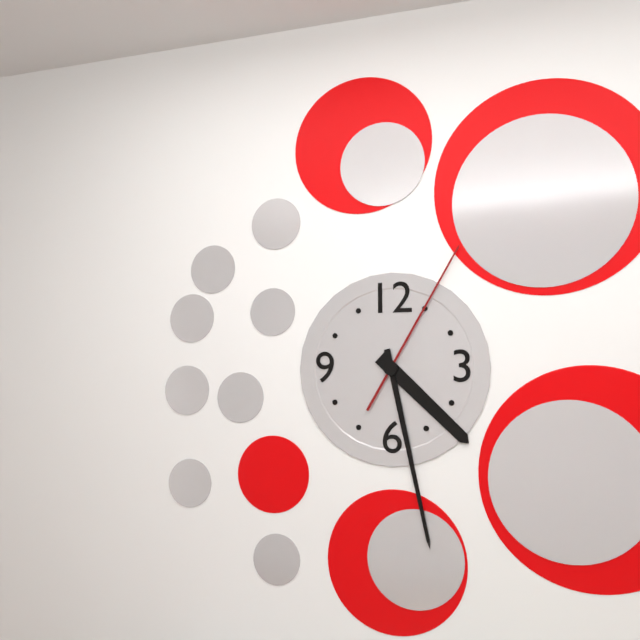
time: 4:28:05
